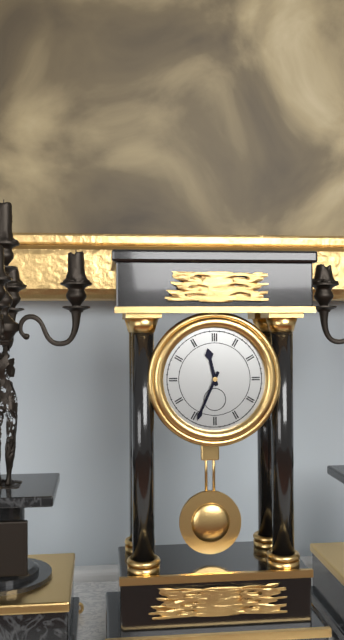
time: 11:34
